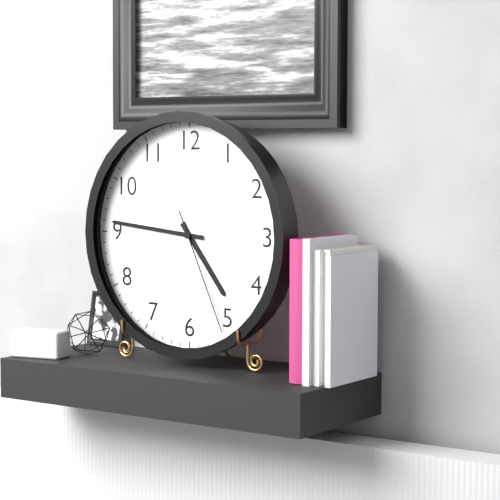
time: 4:46:26
